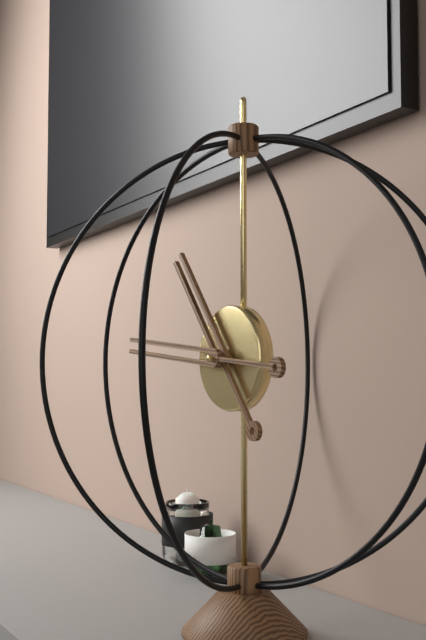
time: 10:46
